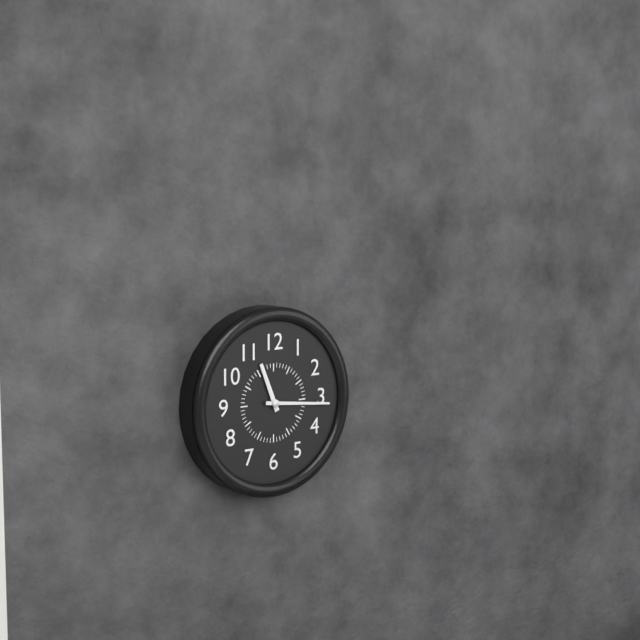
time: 11:16
